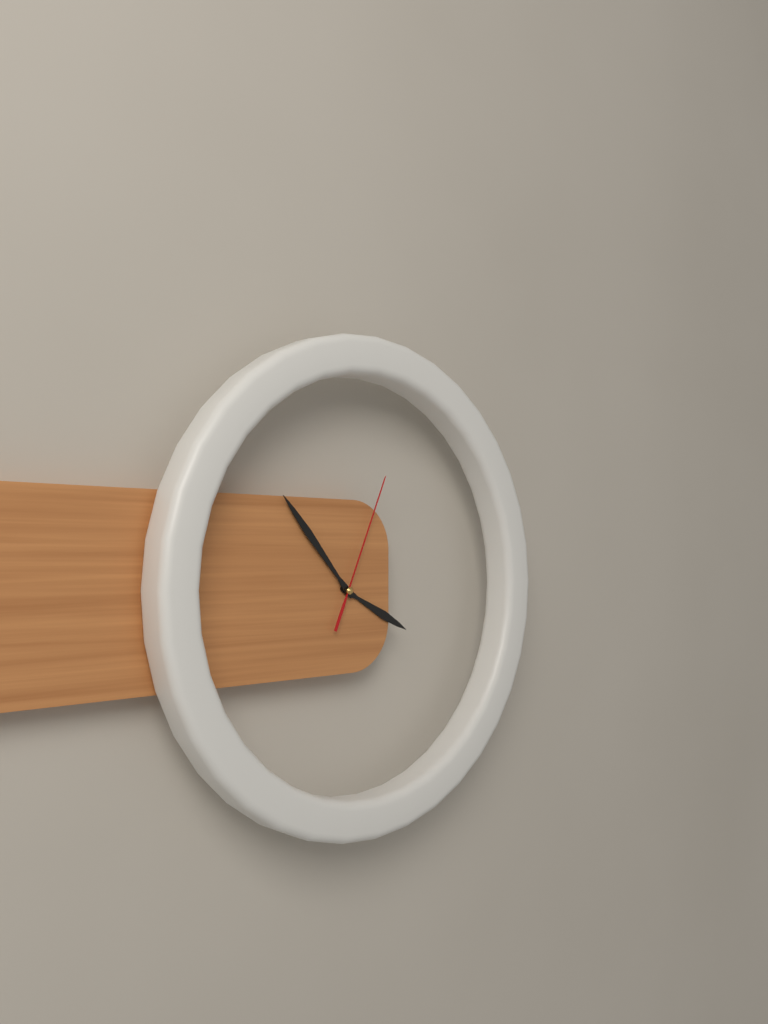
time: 3:53:04
